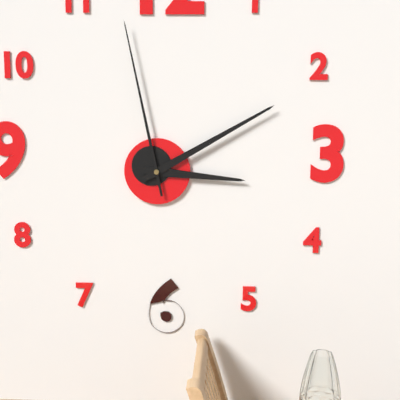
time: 3:10:58
